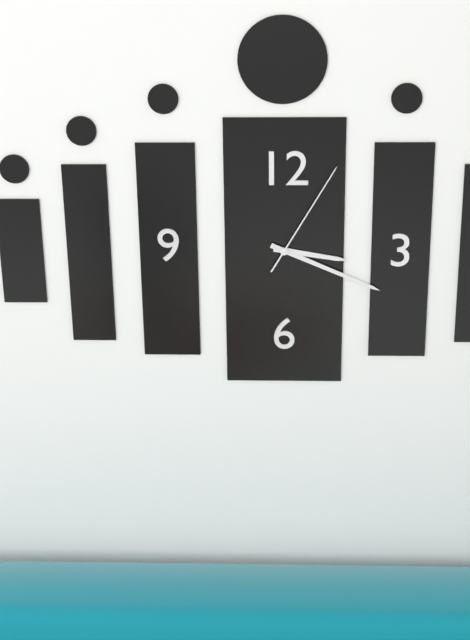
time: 3:19:05
